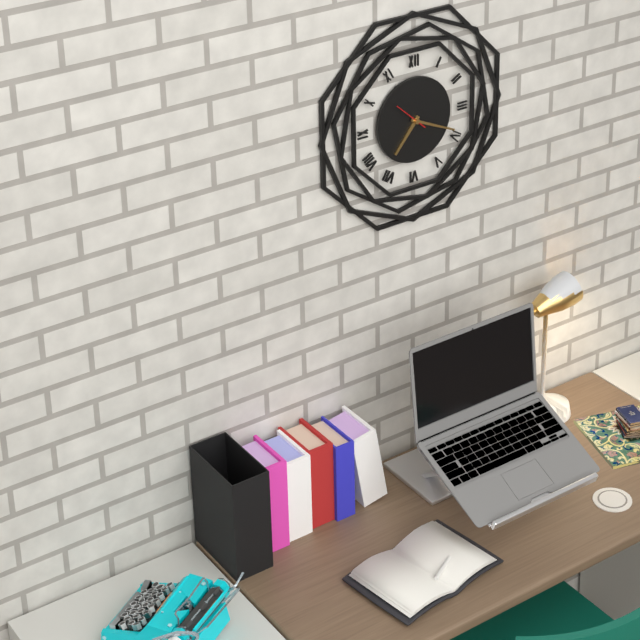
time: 7:19
